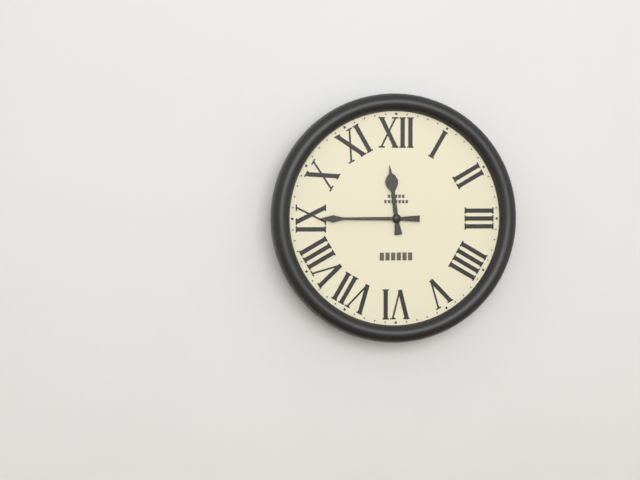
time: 11:45
